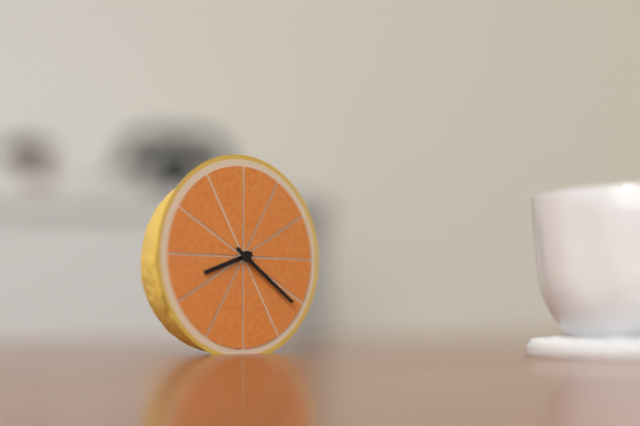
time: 8:21
